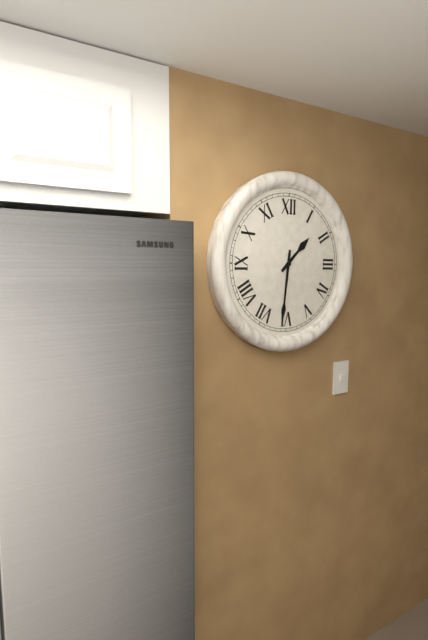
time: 1:31
